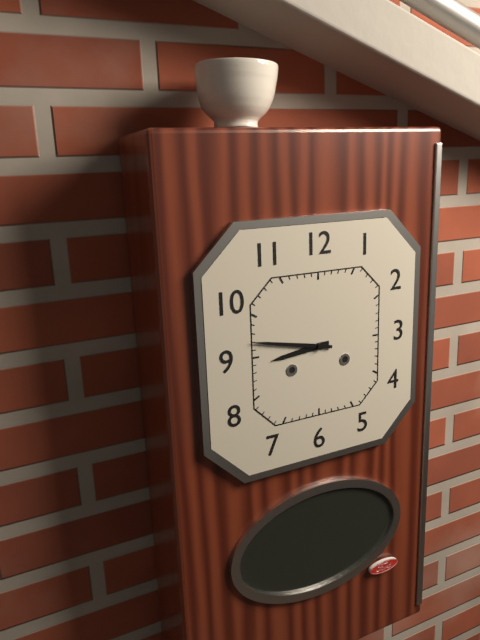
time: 8:47
